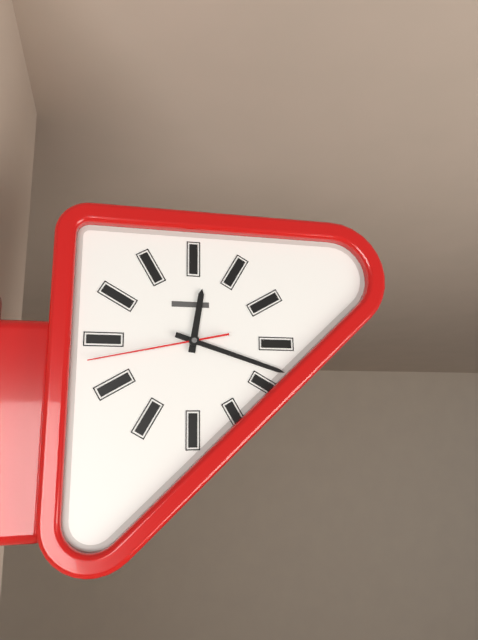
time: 12:18:43
